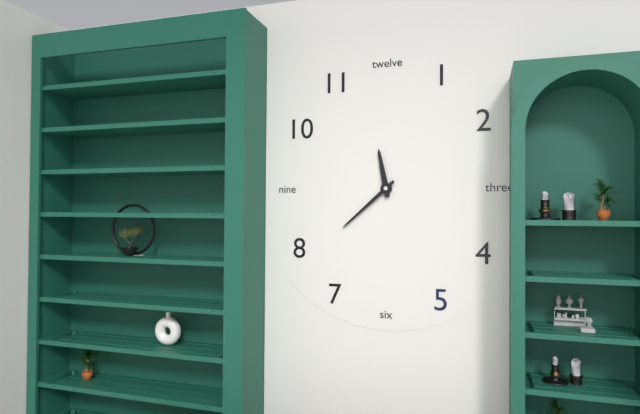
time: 11:38
